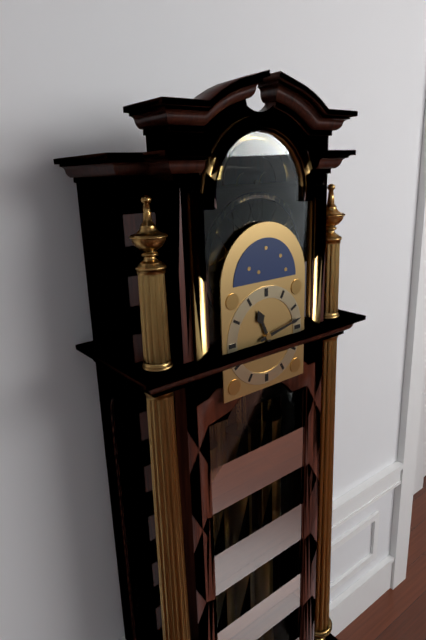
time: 11:13
